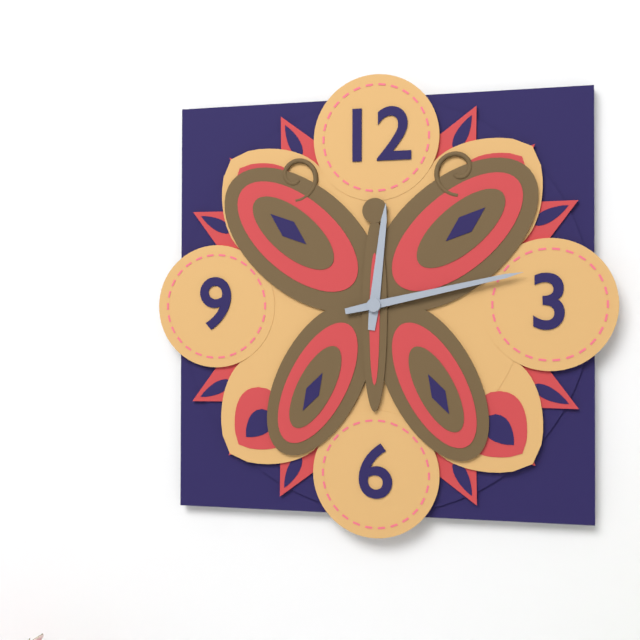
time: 12:13
